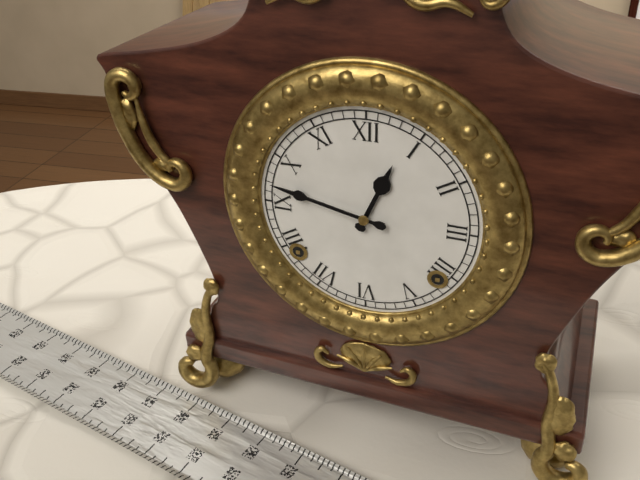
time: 12:47
